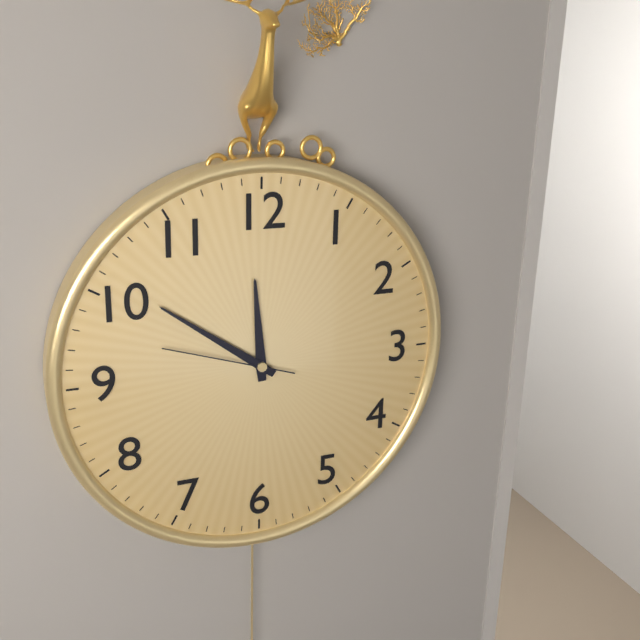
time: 11:51:48
